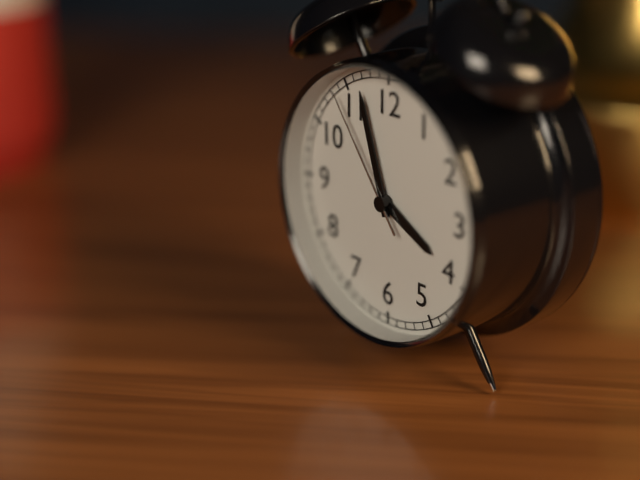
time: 3:57:54
